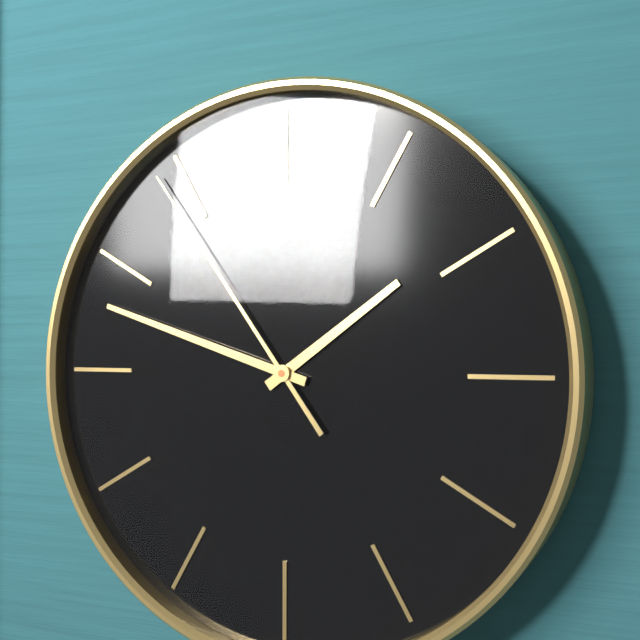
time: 1:48:54
